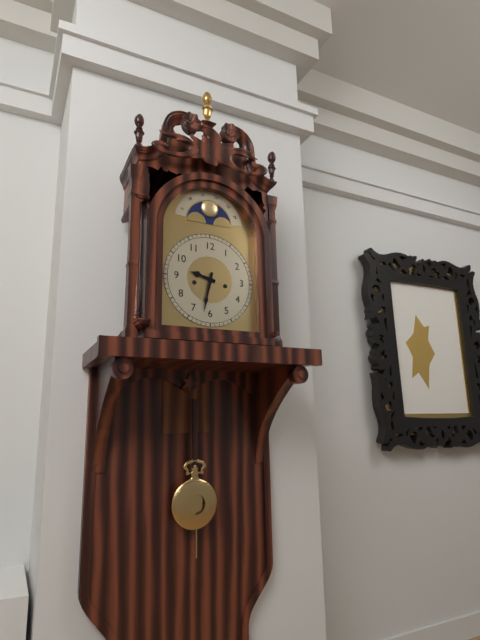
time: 9:32
